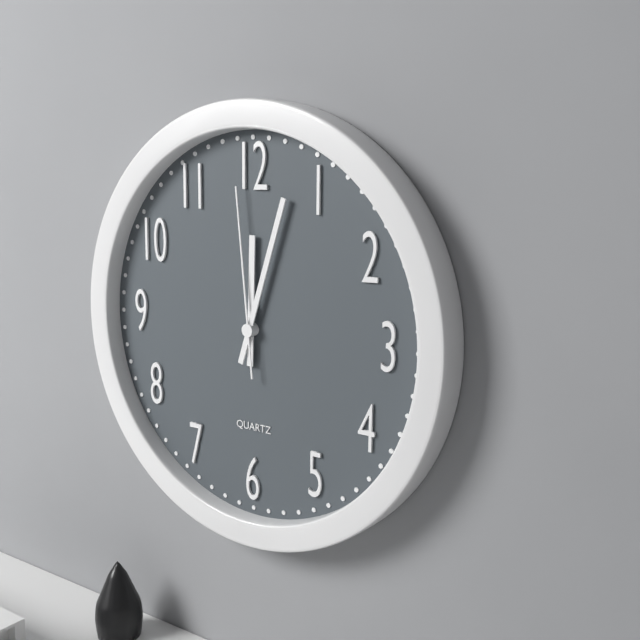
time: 12:03:59
